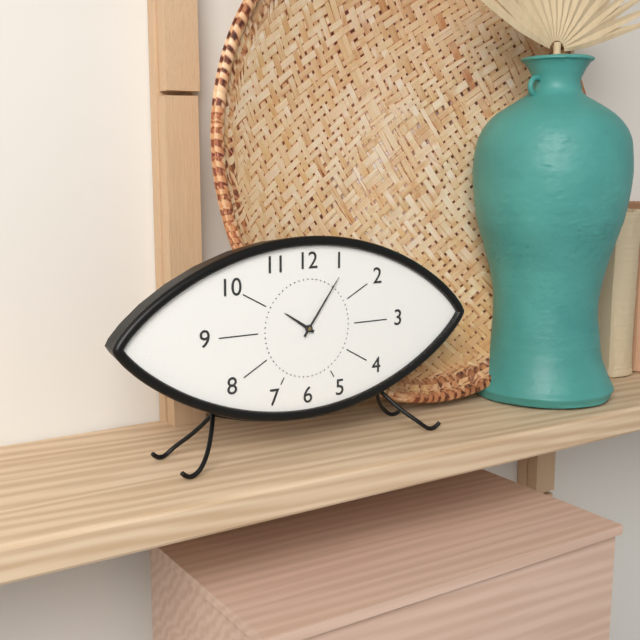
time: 10:06
